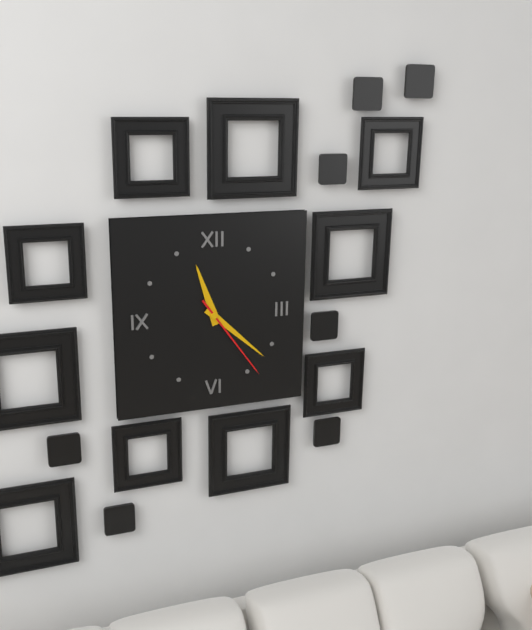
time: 11:22:24
